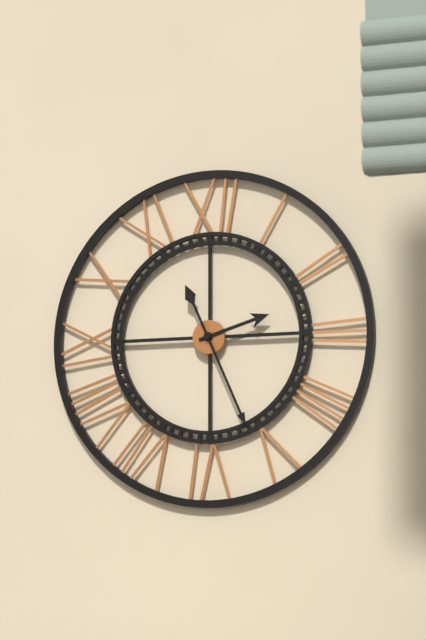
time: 2:26
